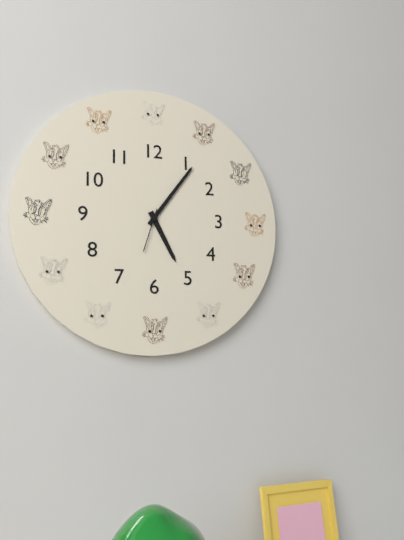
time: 5:06
